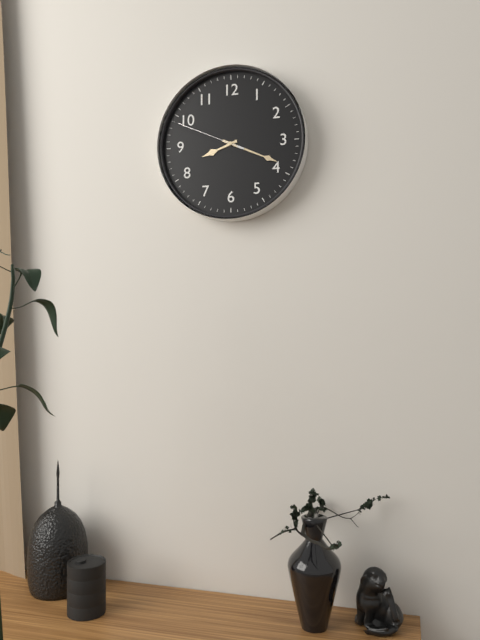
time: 8:19:49
